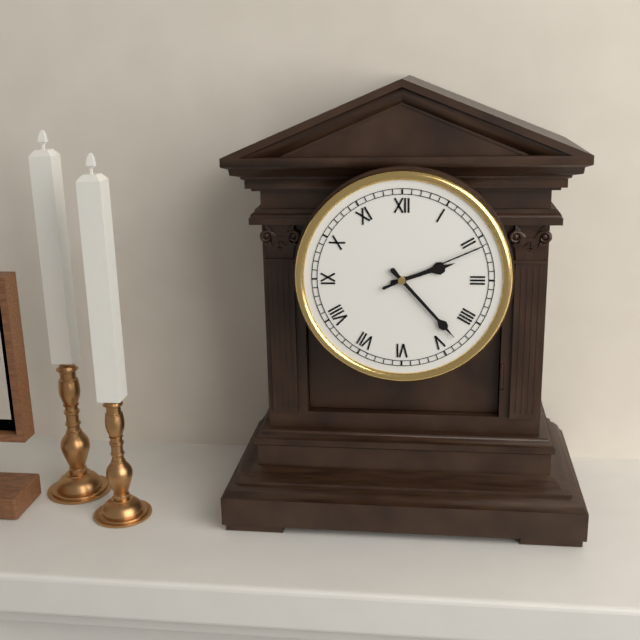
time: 2:23:11
